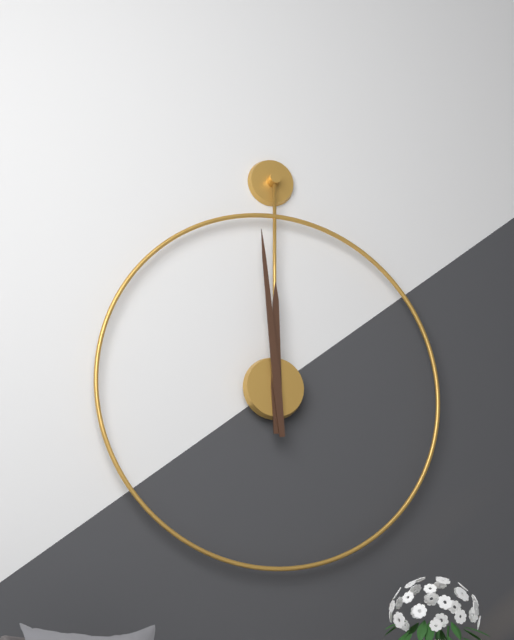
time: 11:59
